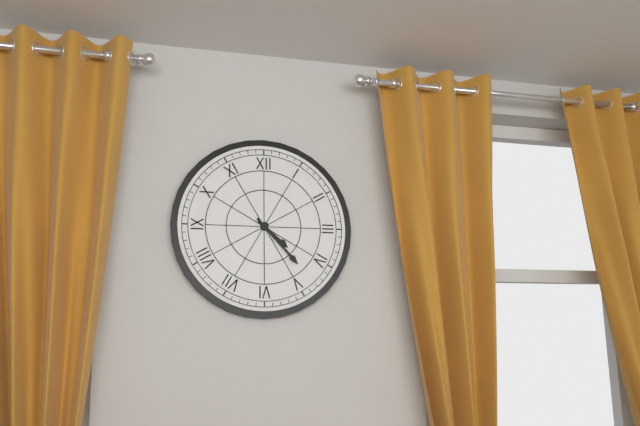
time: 4:23
